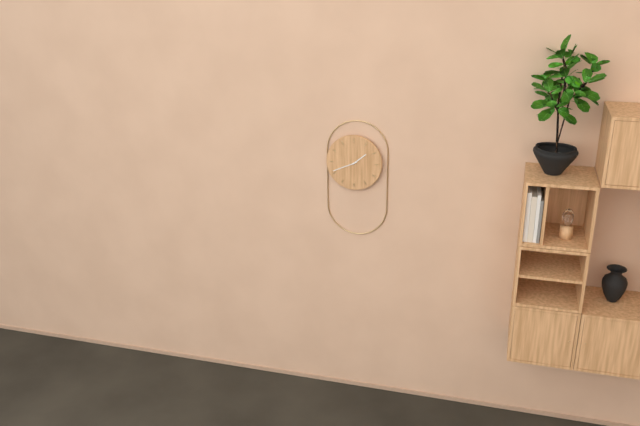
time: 1:41
